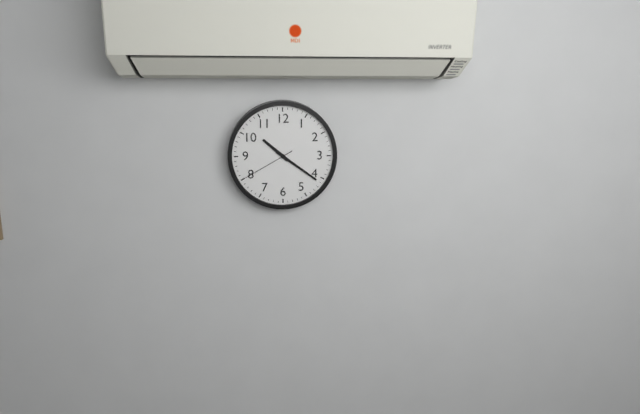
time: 10:21:40
